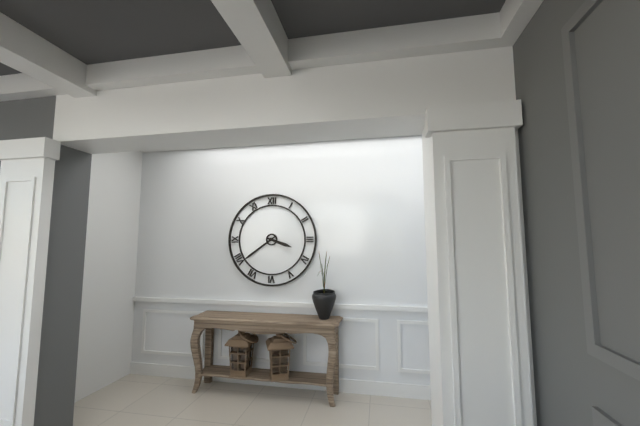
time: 3:39
